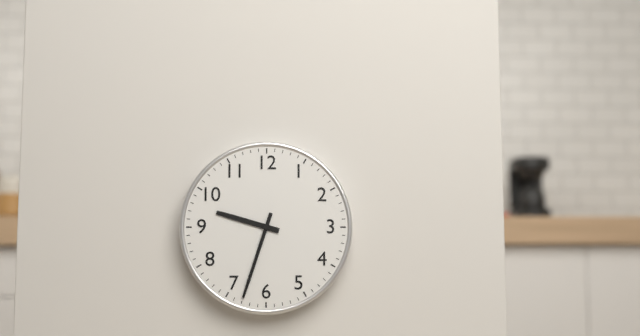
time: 9:33
